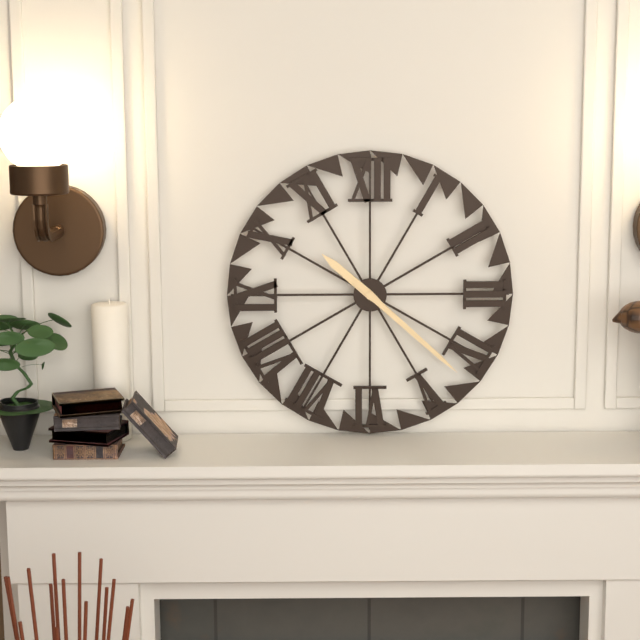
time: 10:22
